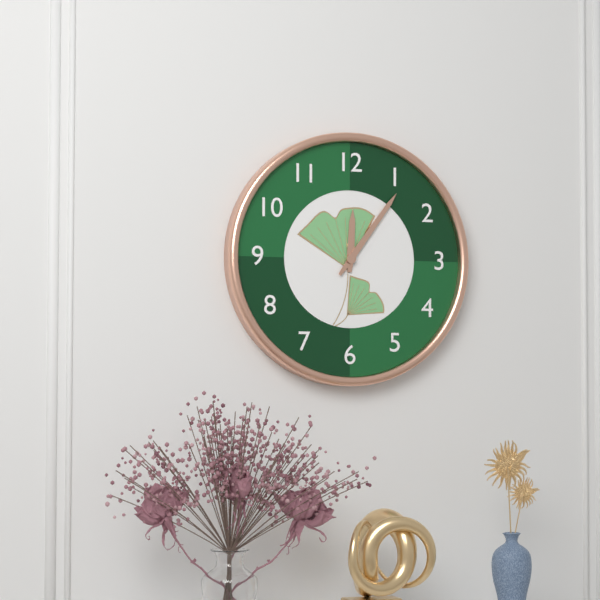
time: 12:06
